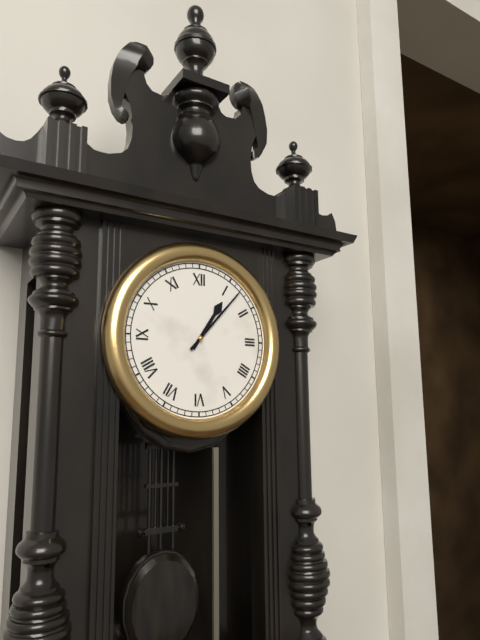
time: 1:07
